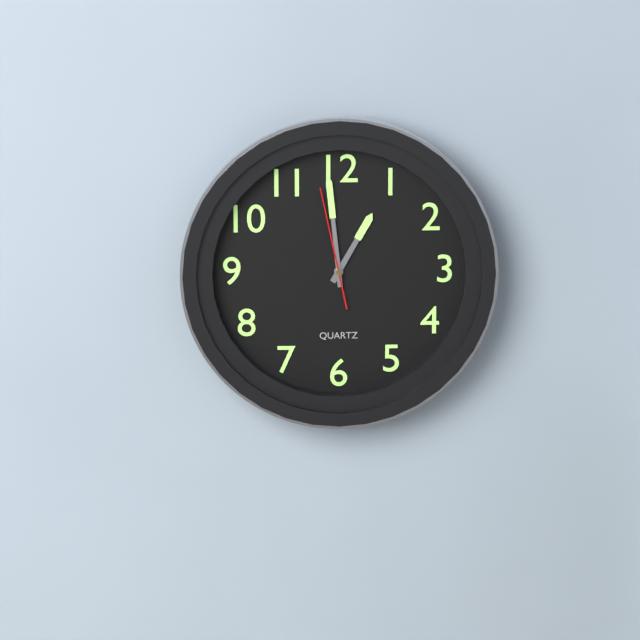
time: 12:59:58
